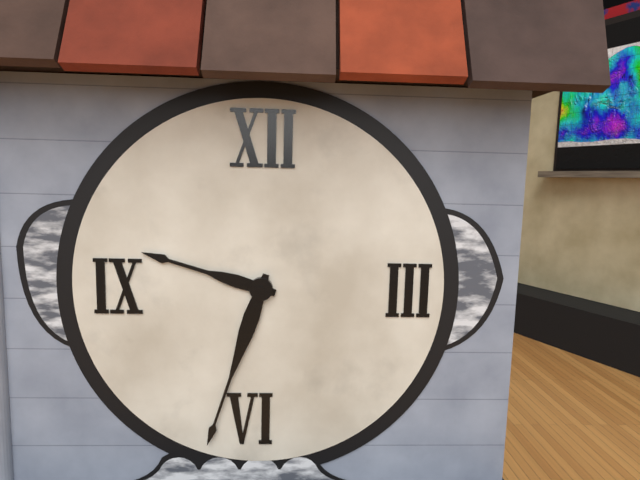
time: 9:33
